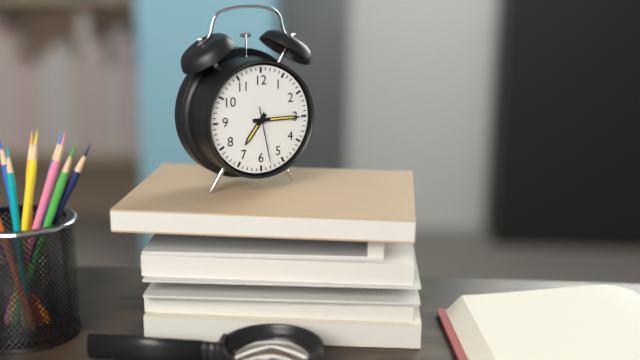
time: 7:15:28
